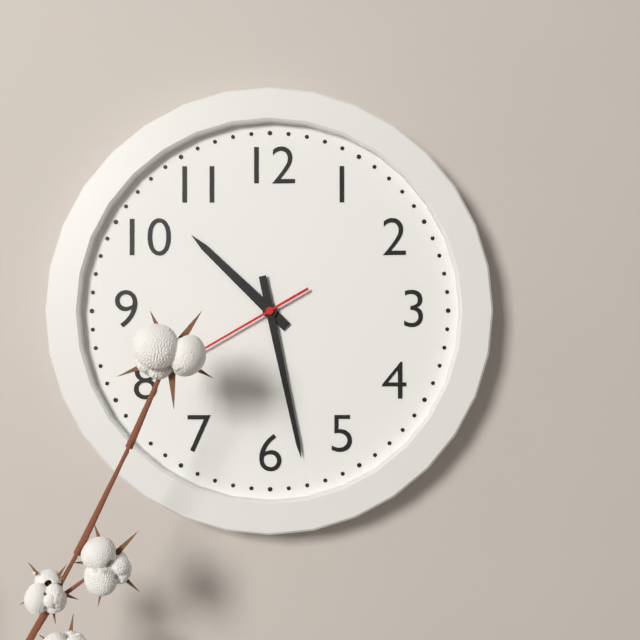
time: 10:28
